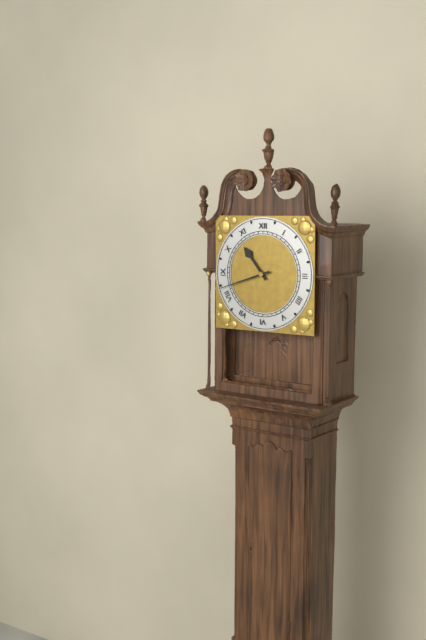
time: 10:42
